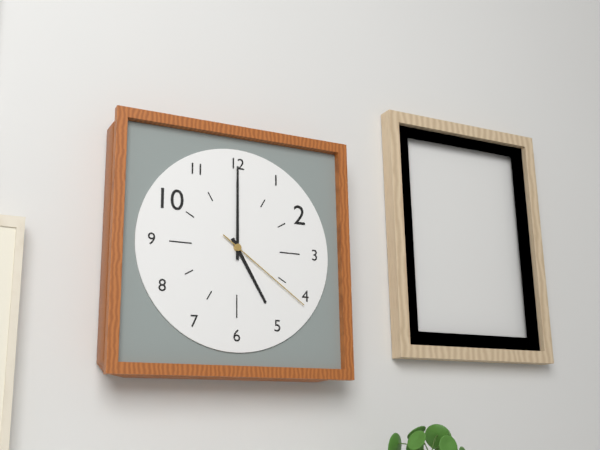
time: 5:00:21
